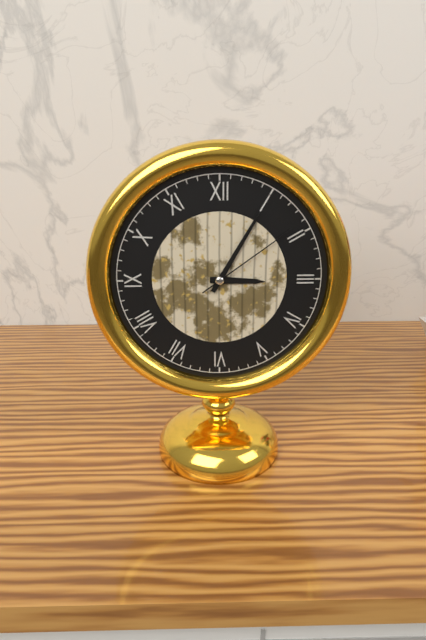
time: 3:05:09
